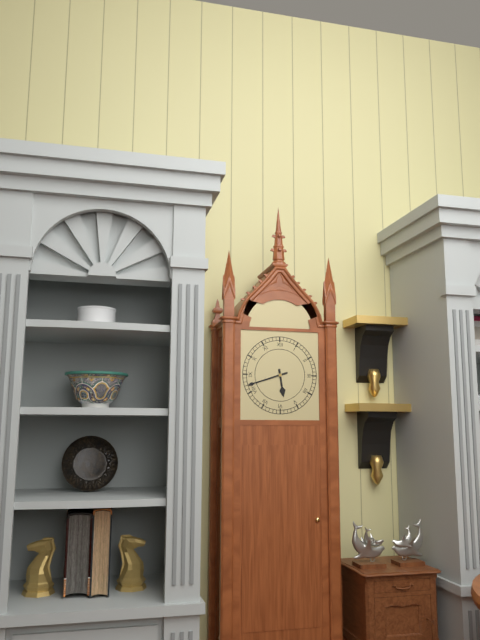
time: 5:42
